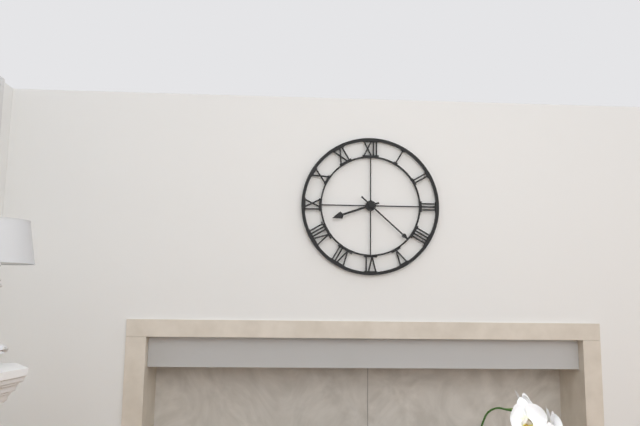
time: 8:22
